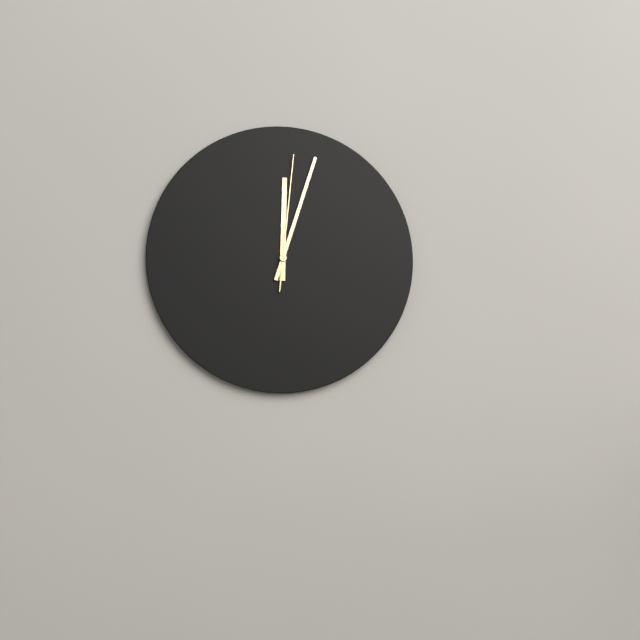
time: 12:03:01
